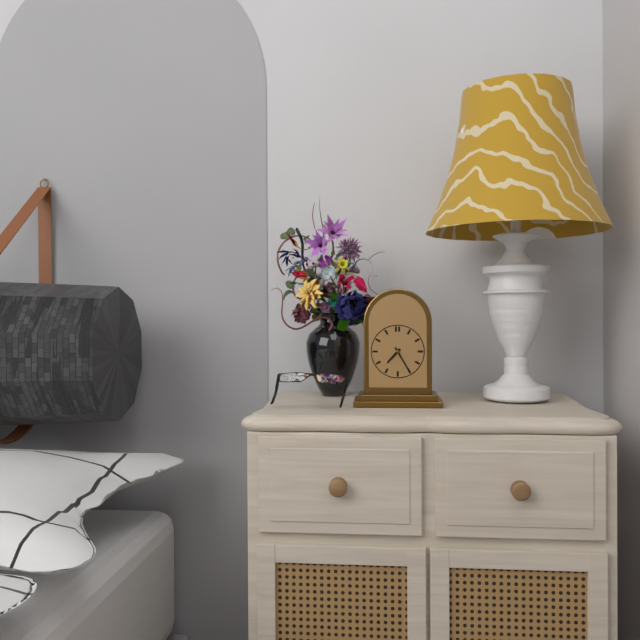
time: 7:25
